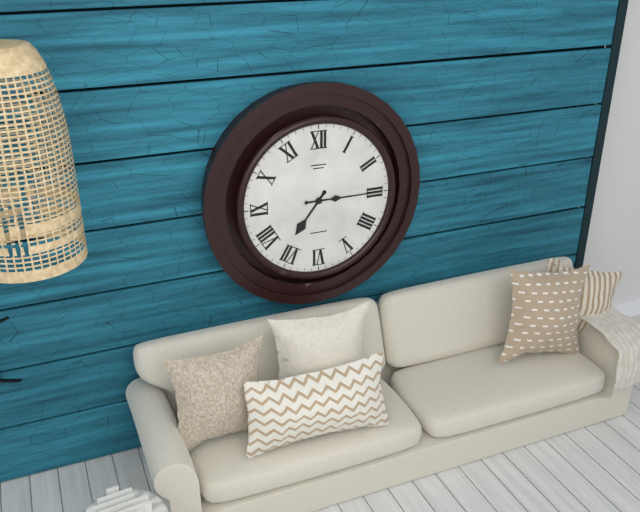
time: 7:15
